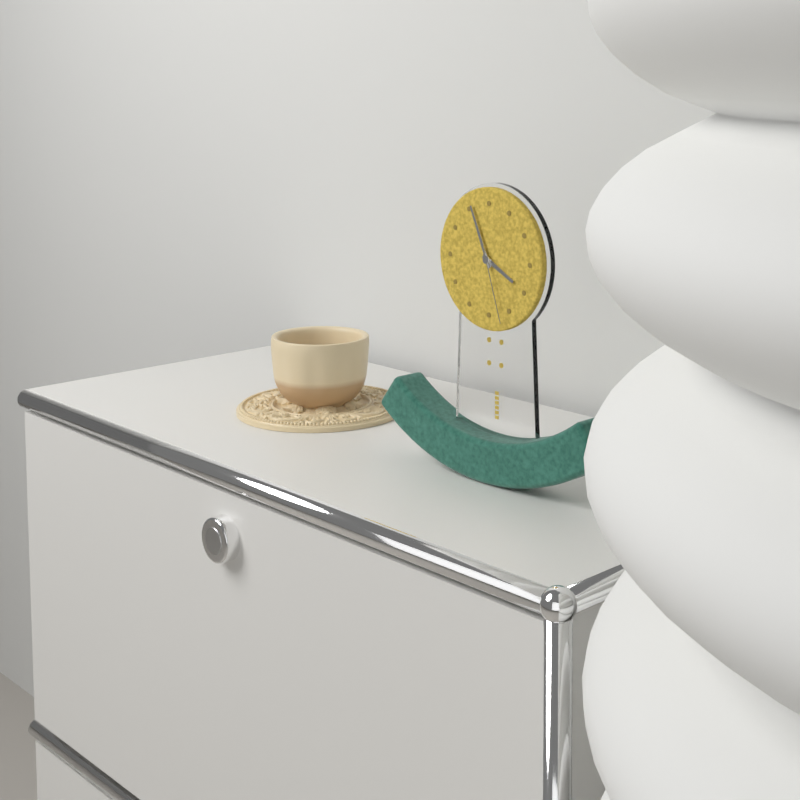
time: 3:56:27
